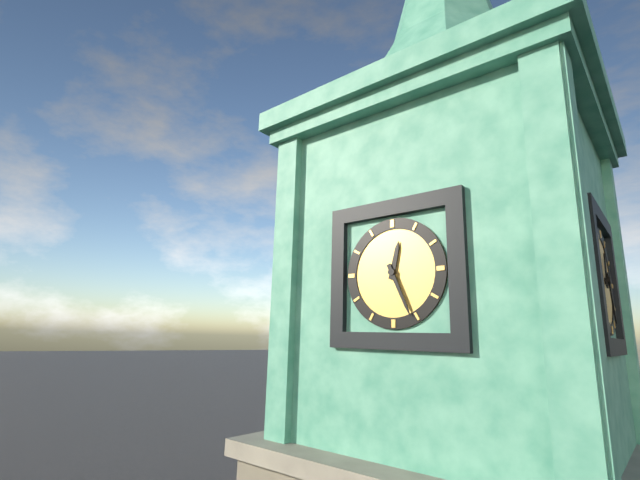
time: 12:26
